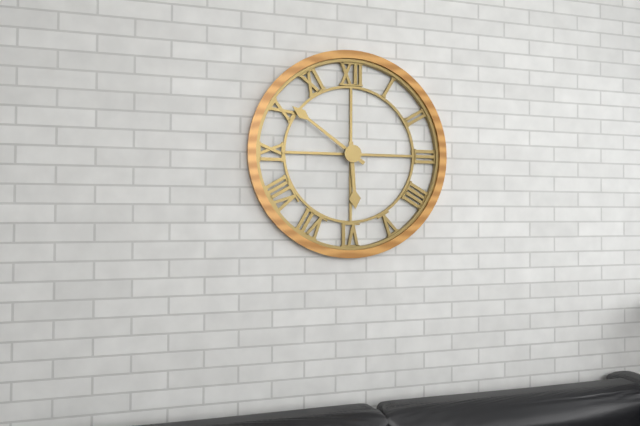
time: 5:51
